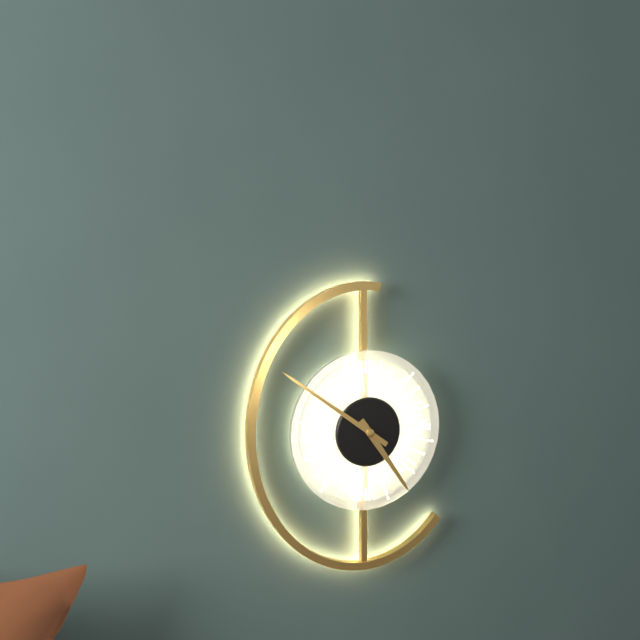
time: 4:51
